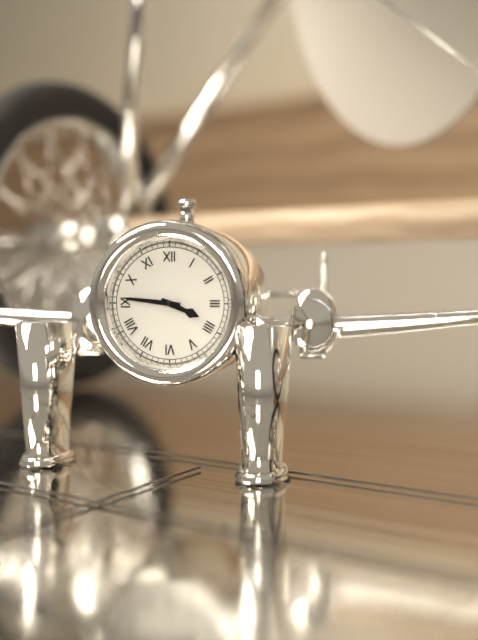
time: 3:46
